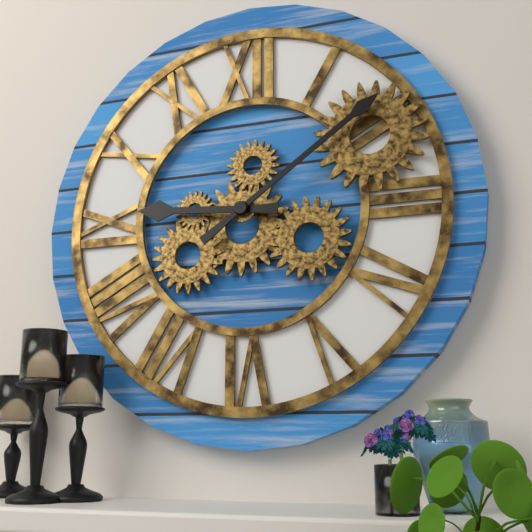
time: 9:09
